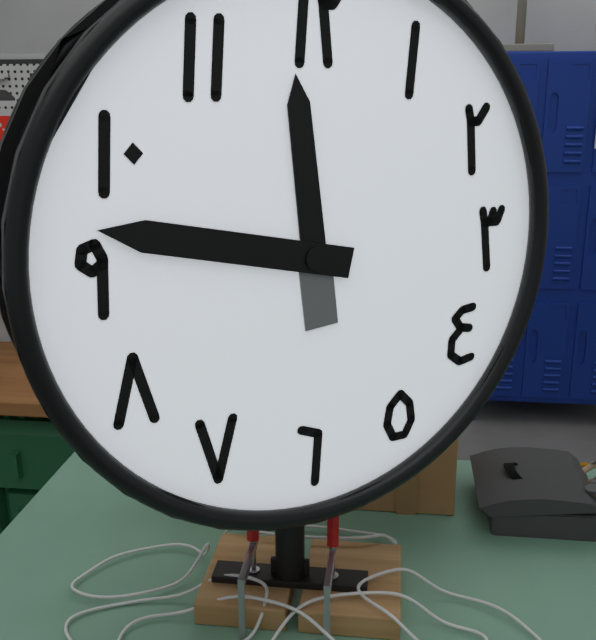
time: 11:47
